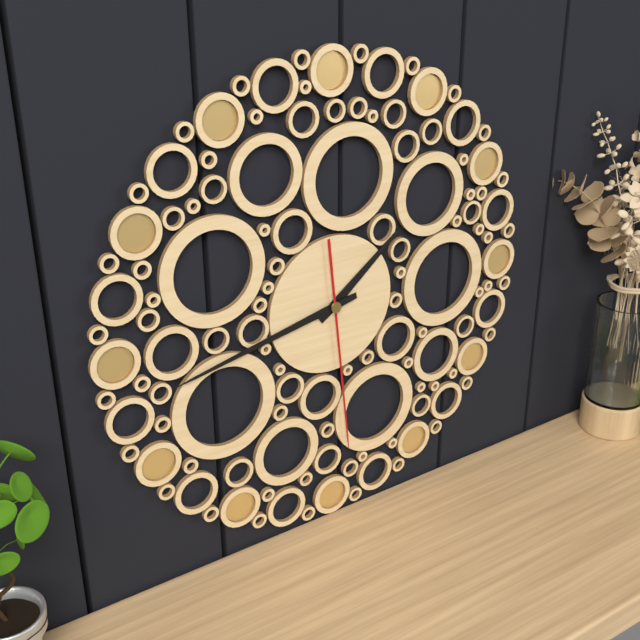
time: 1:43:29
